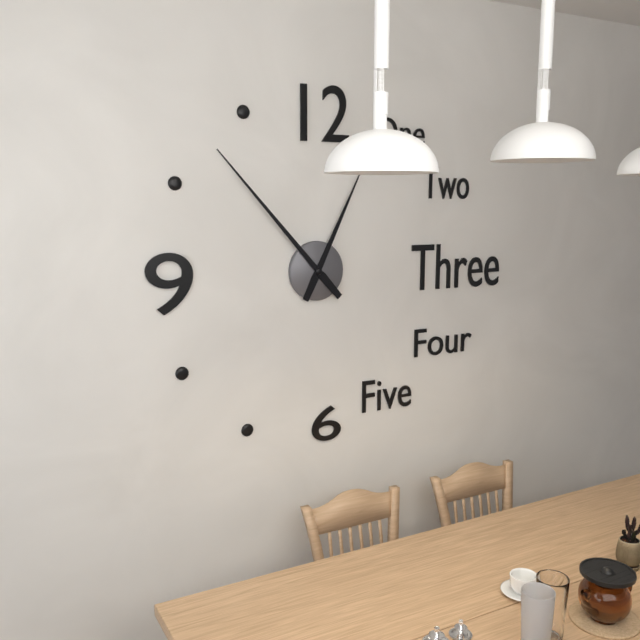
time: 12:53
